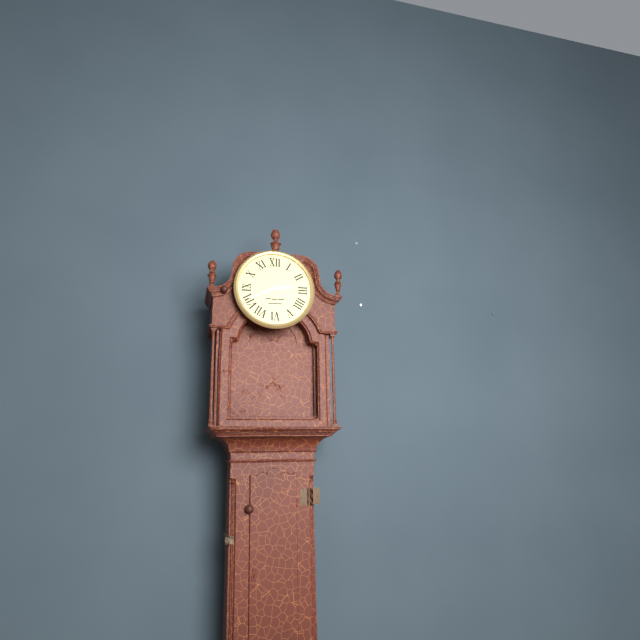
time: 2:41
